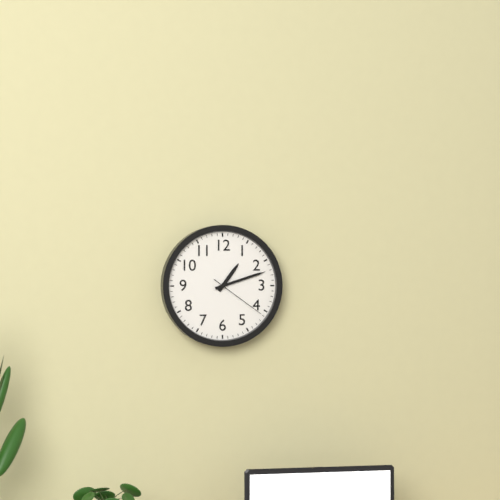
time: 1:12:21
